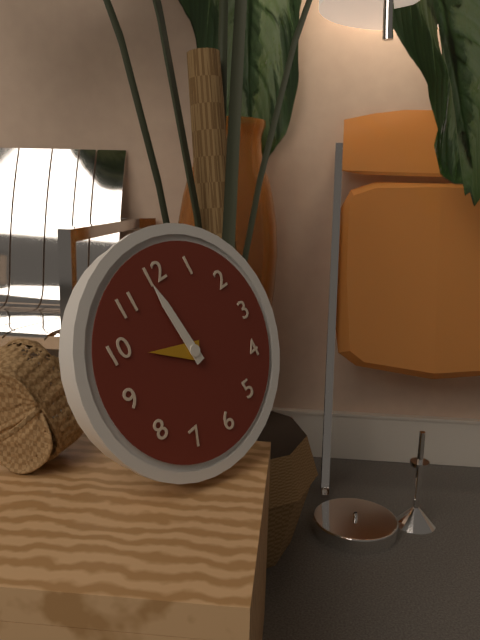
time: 9:59
